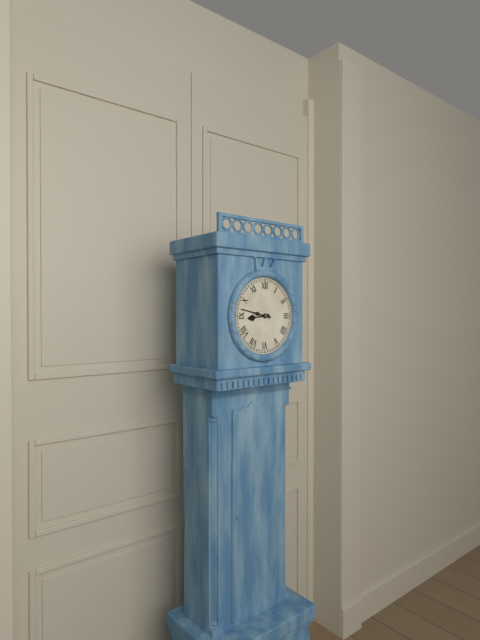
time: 8:47
